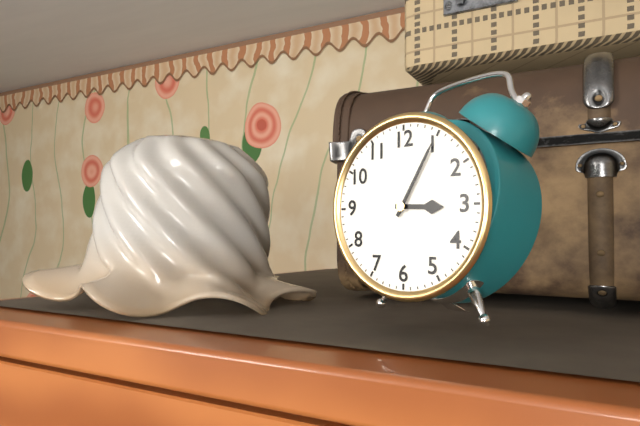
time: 3:05
